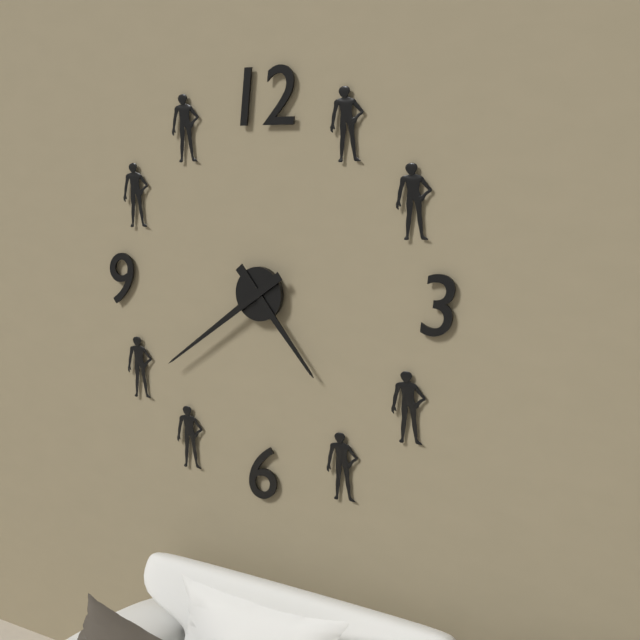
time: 4:39
